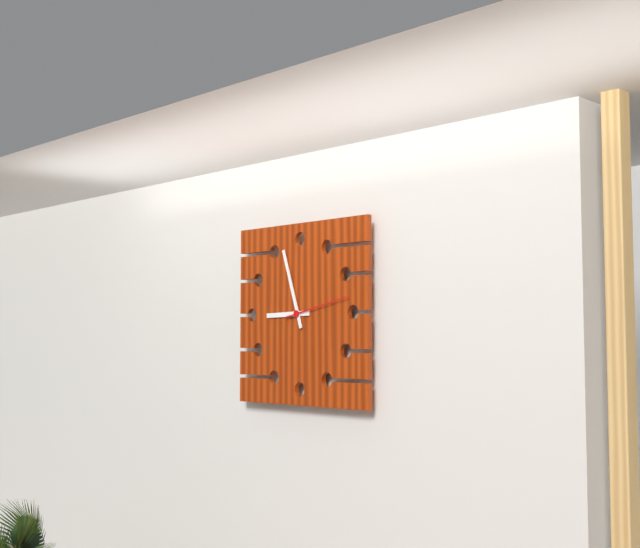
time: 8:57:13
